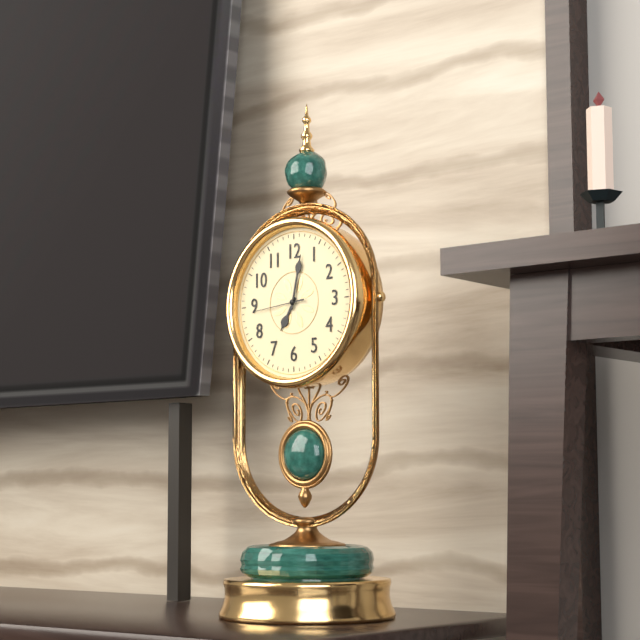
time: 7:02:44
